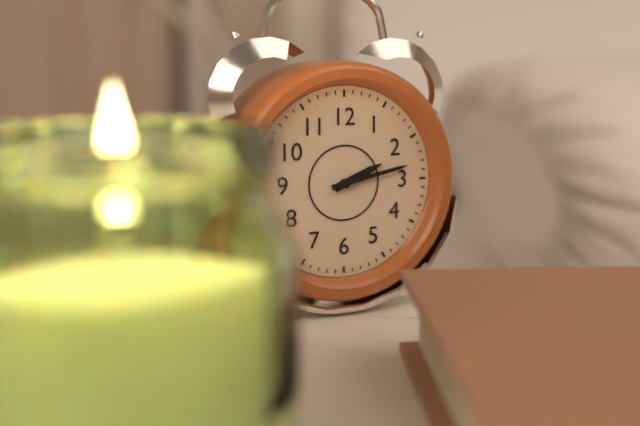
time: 2:13
